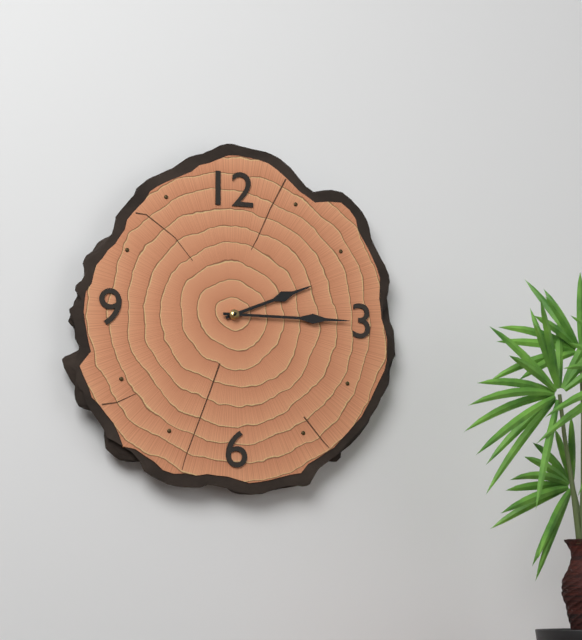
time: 2:15
